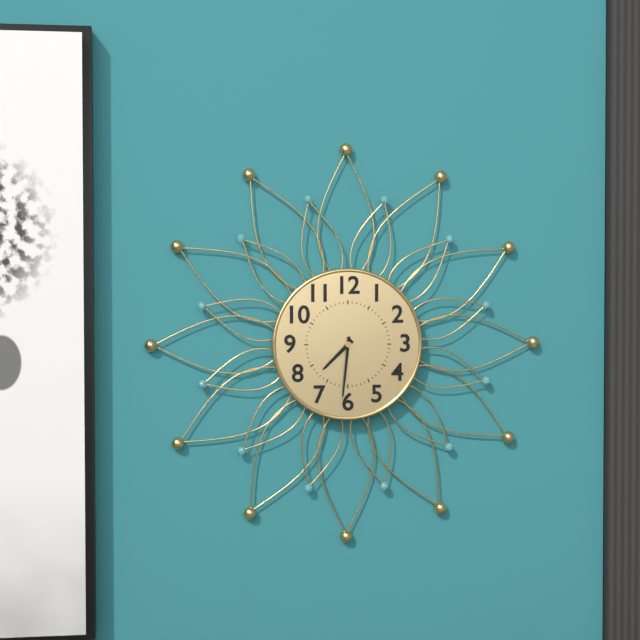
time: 7:31
